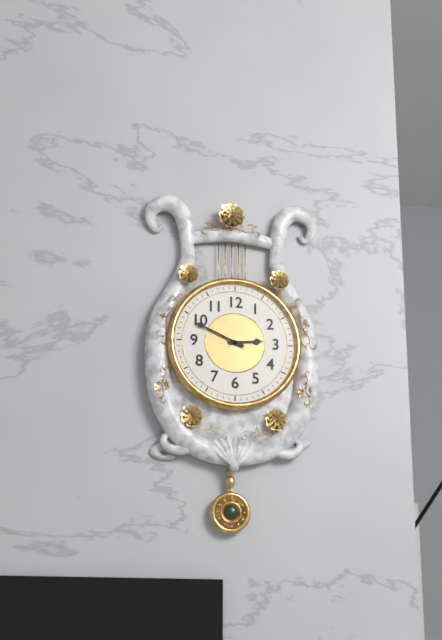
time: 2:49
